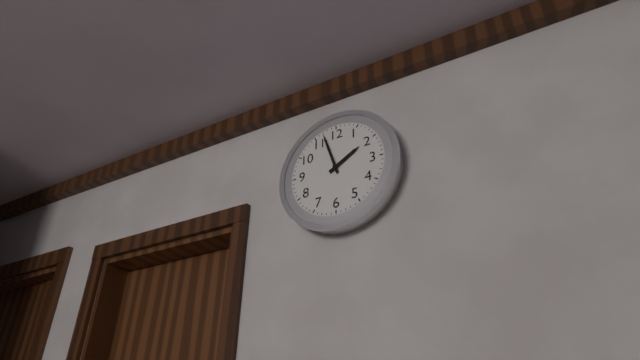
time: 1:57
